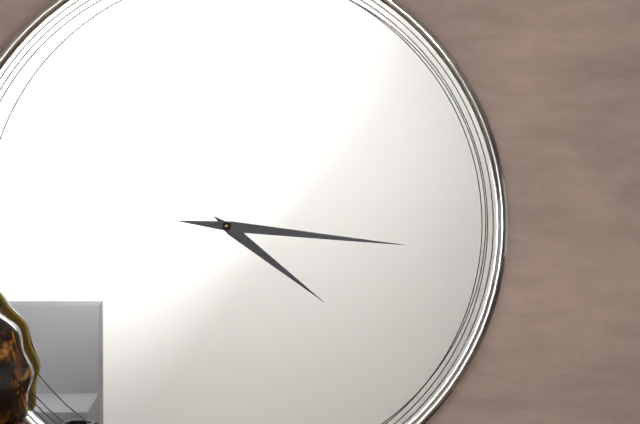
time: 4:16
